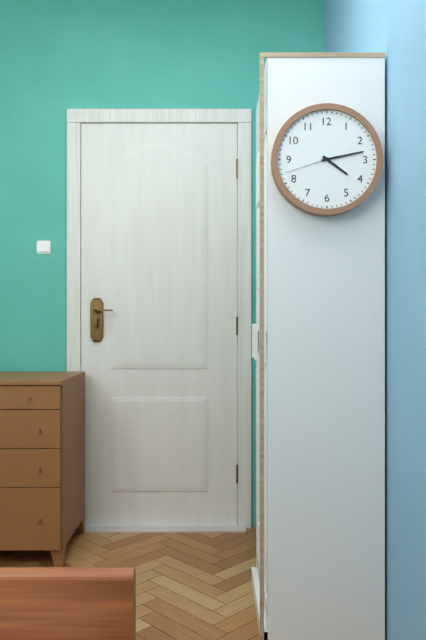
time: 4:13:42
